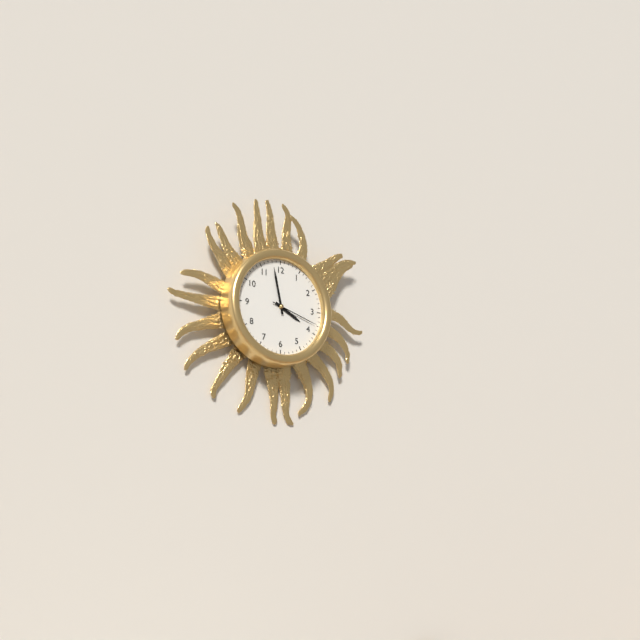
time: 3:58
